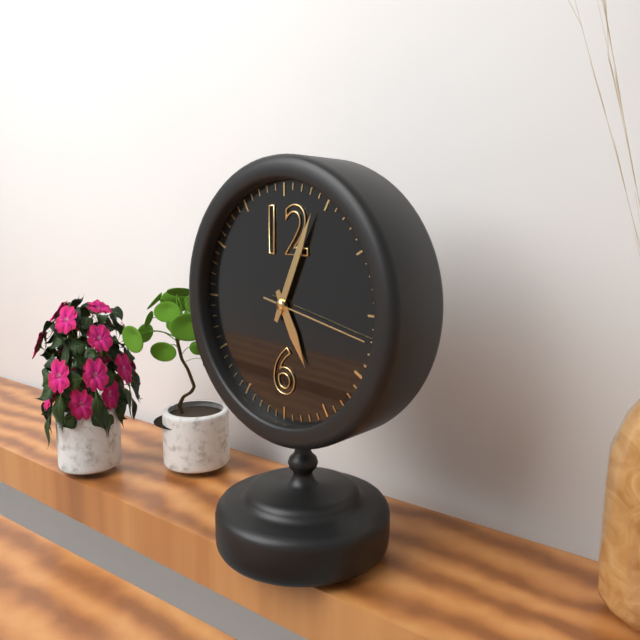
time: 5:04:17
